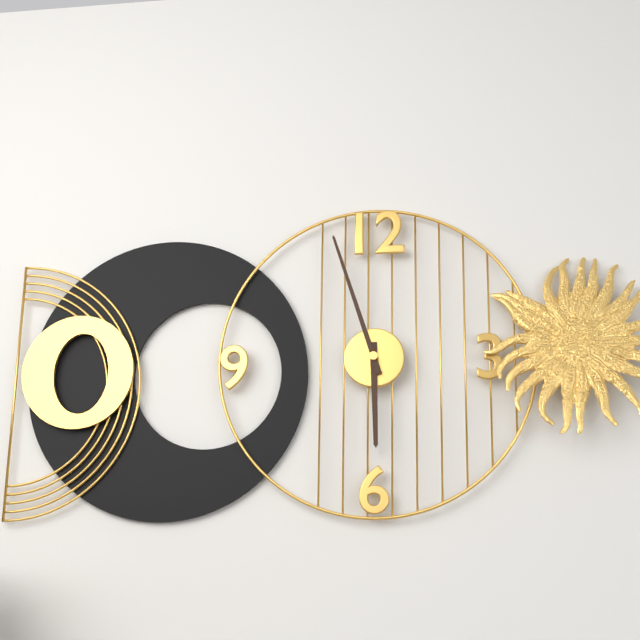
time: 5:57
